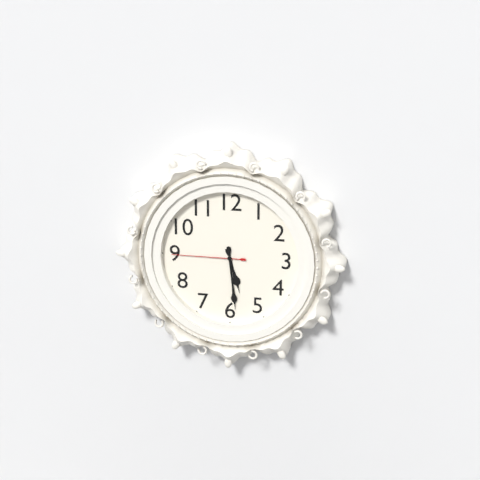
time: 5:29:45
